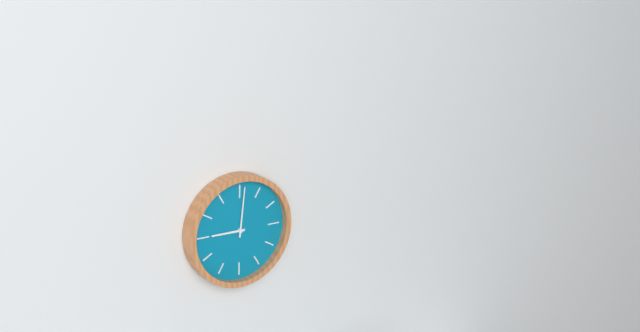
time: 9:01
